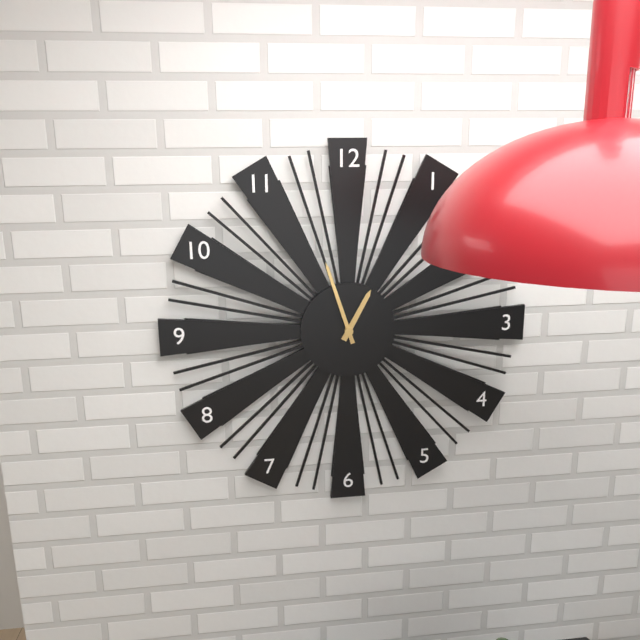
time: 12:57
